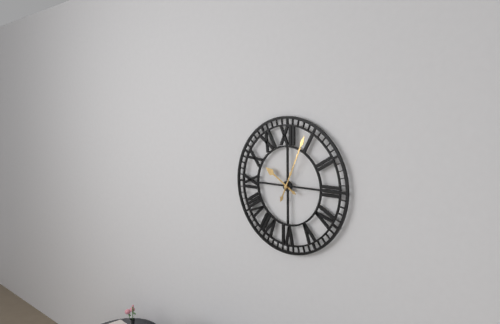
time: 10:04
